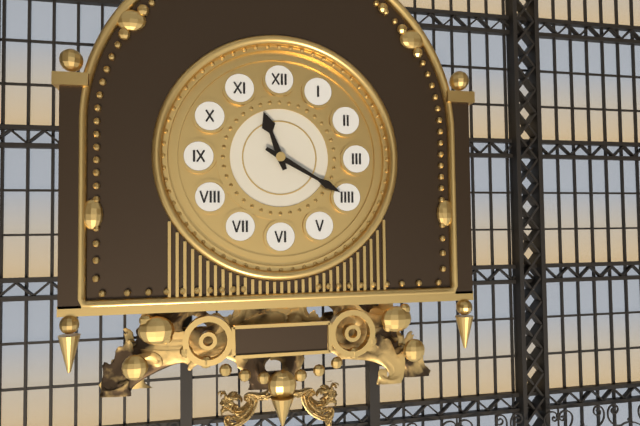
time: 11:20
